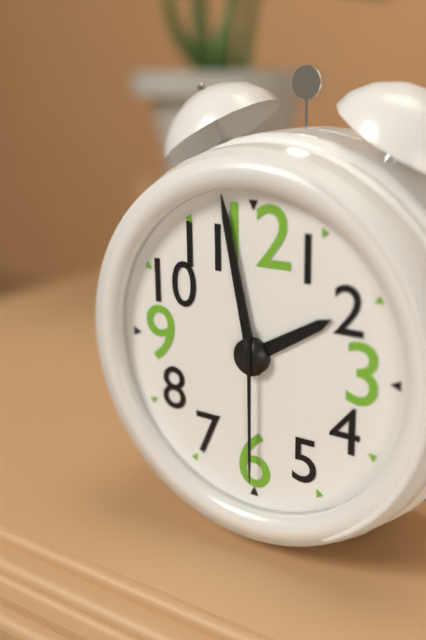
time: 1:58:30
